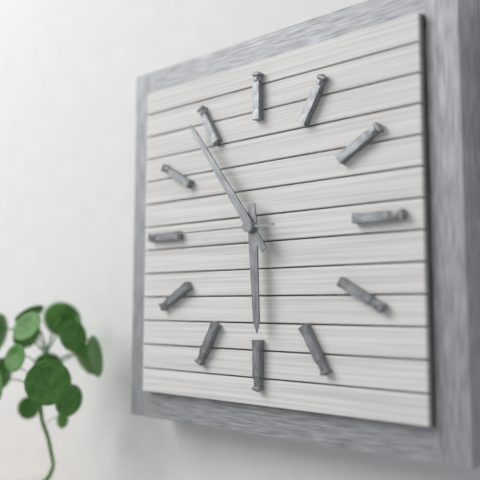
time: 5:54:45
